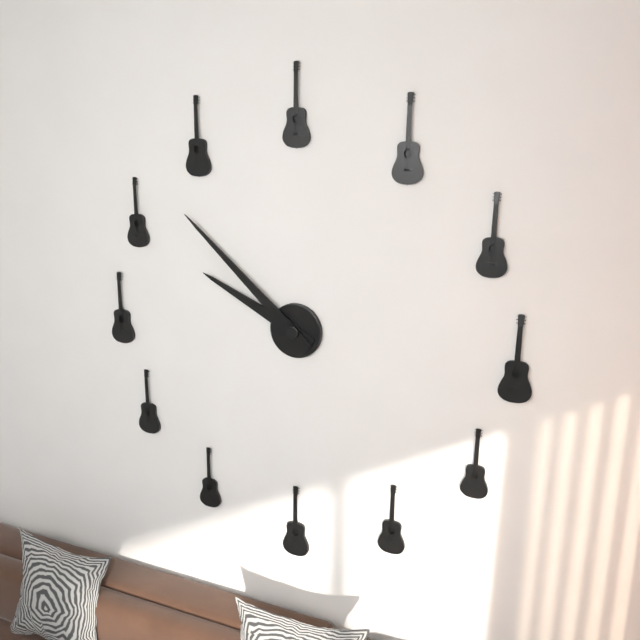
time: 9:52
